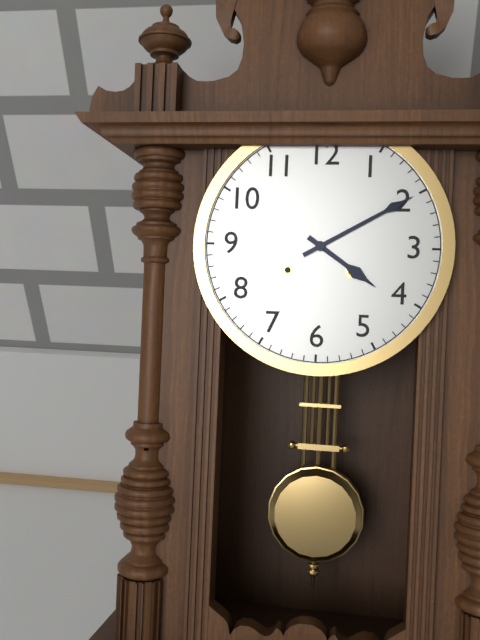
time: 4:10
